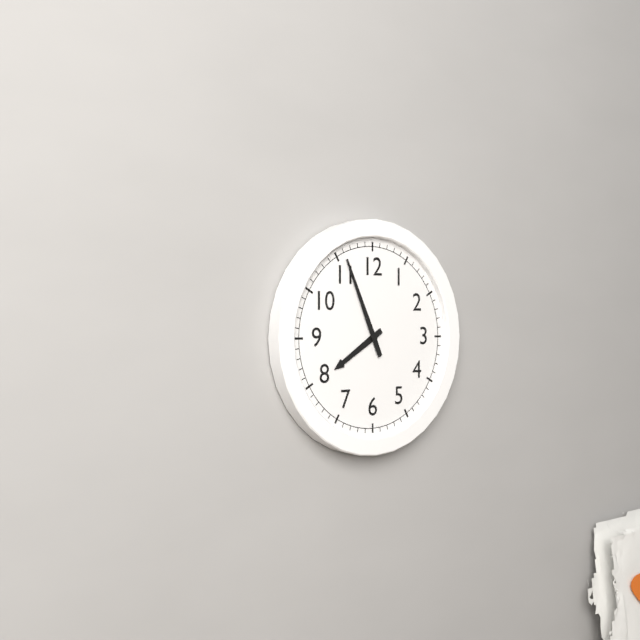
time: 7:56
